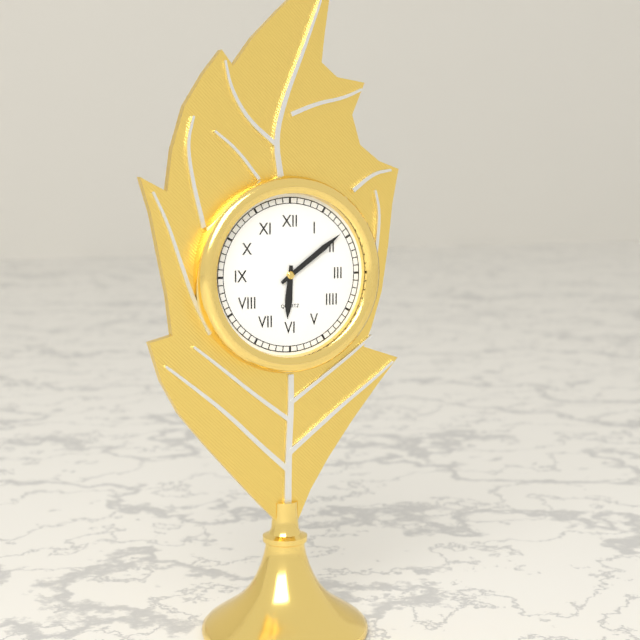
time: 6:09
